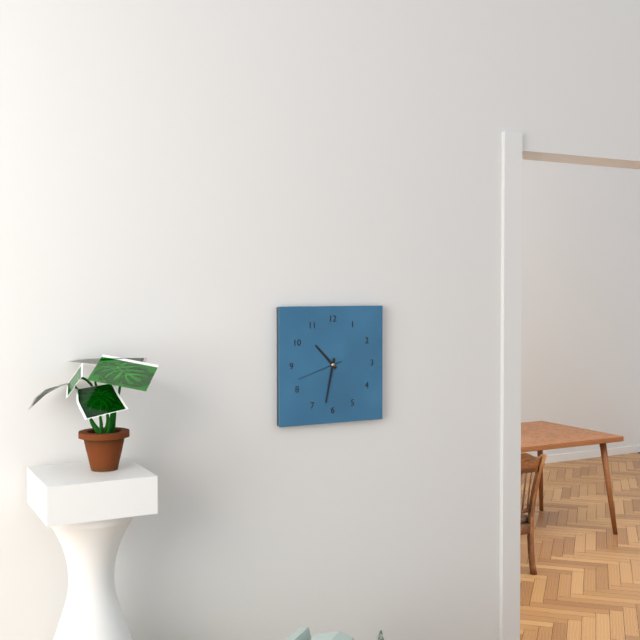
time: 10:32
